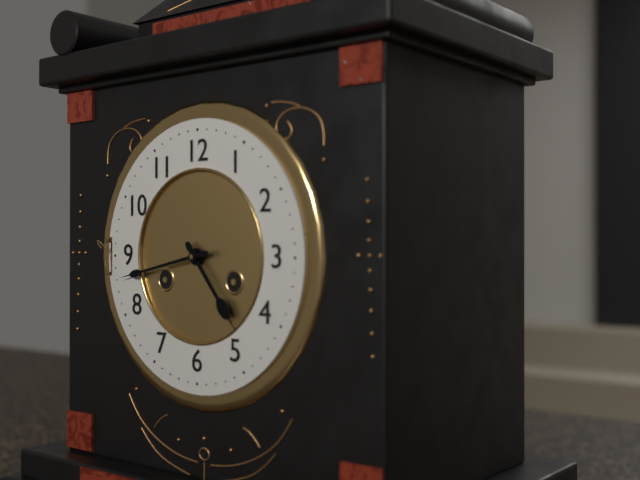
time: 4:43
